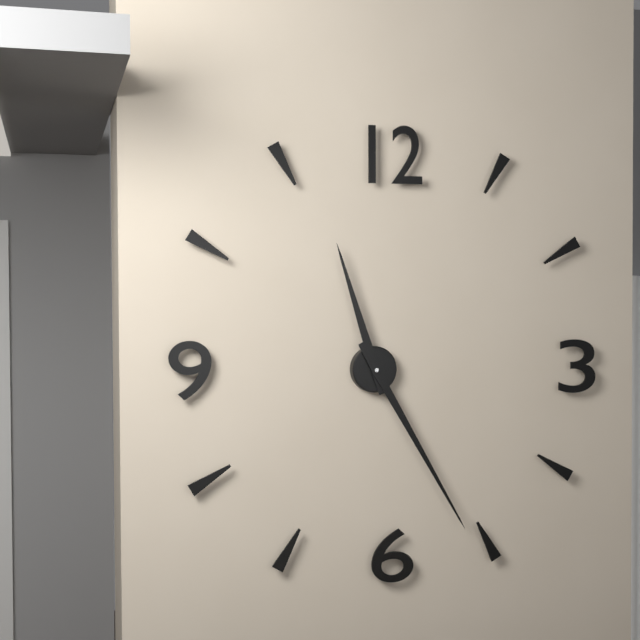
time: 11:25
